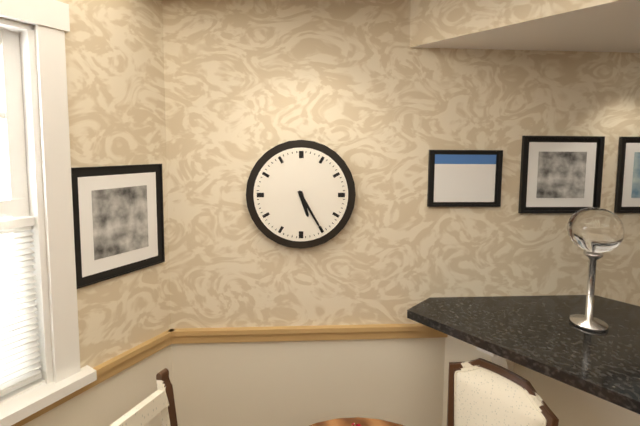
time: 5:25
